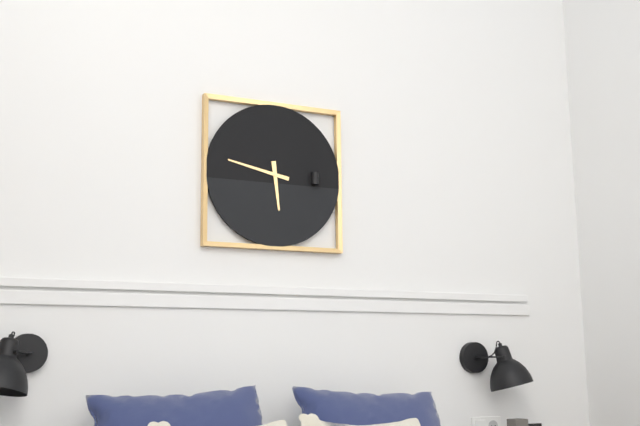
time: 5:47
